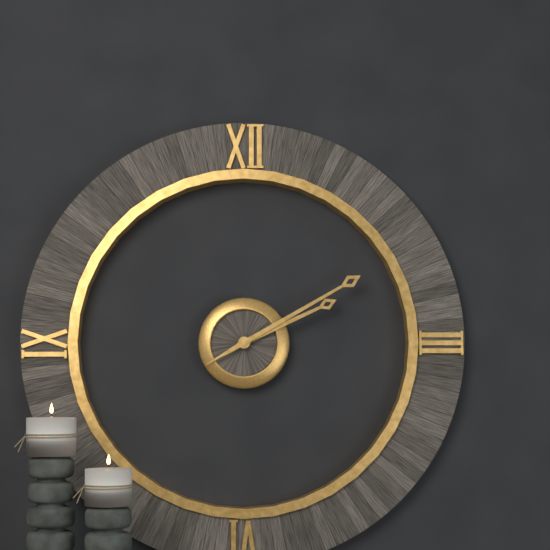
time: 2:10
